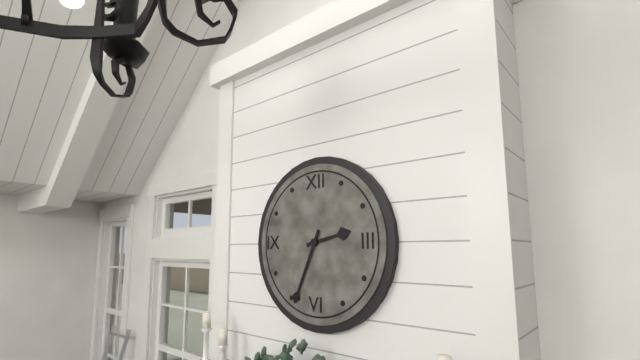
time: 2:34
